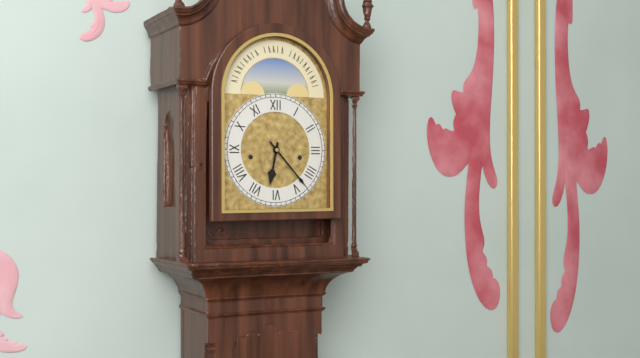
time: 6:23
